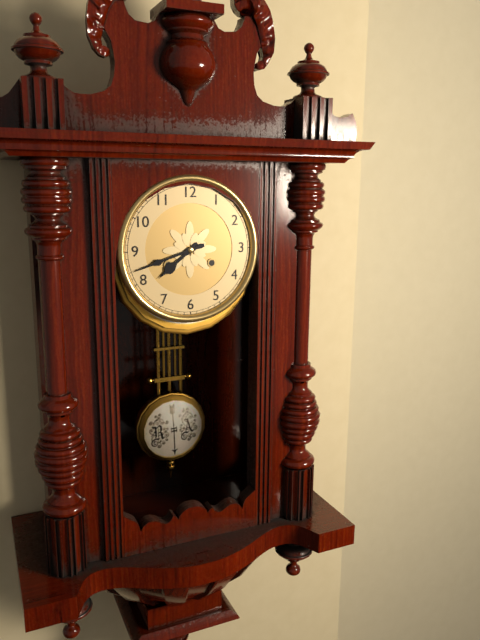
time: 7:42
